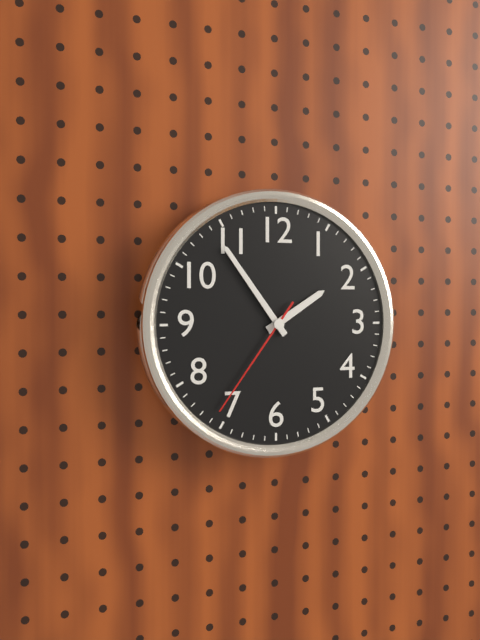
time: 1:54:36
